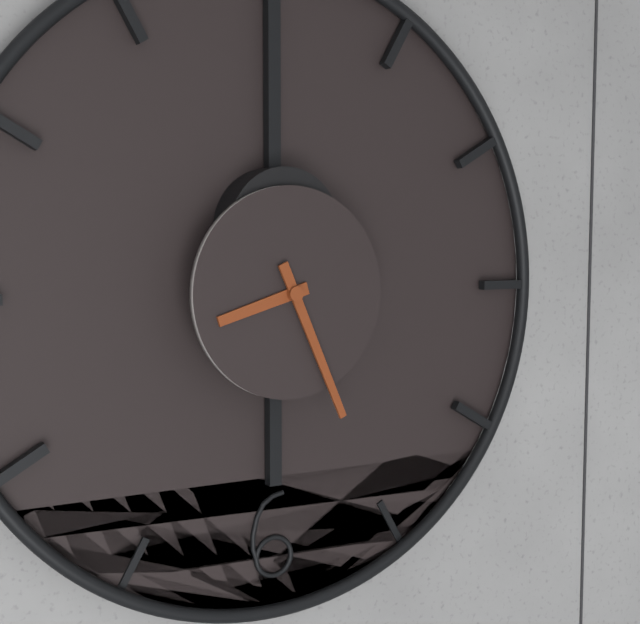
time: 8:26
